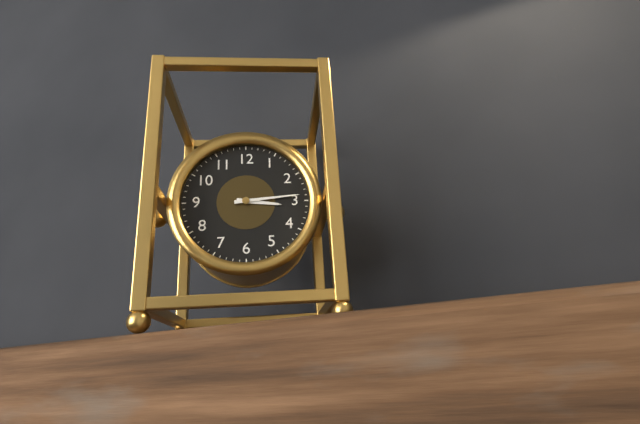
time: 3:14
